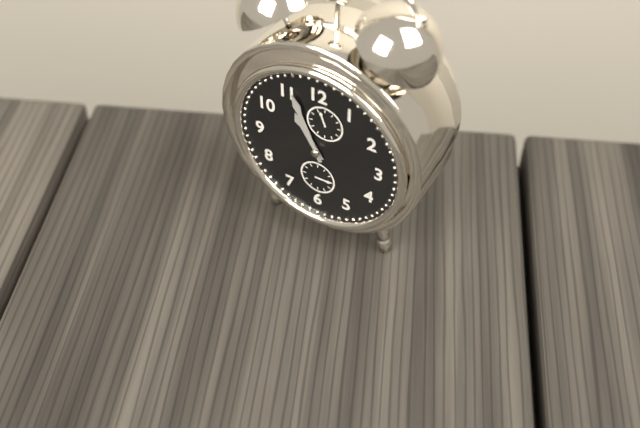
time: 10:56
